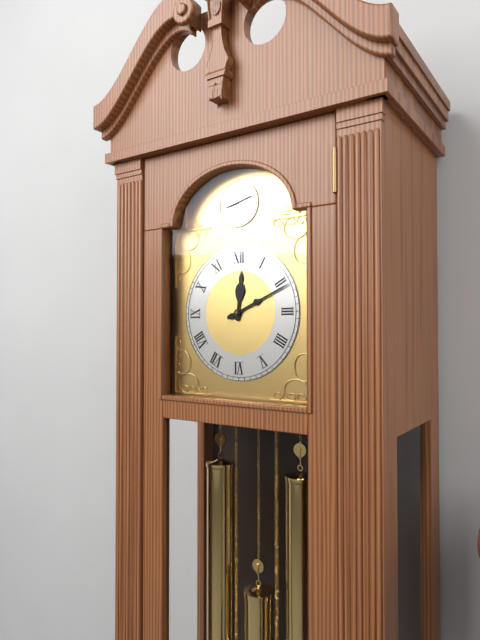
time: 12:11
